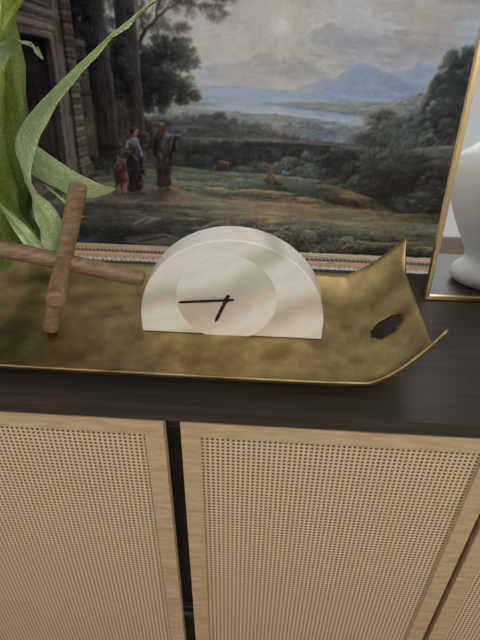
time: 6:44
